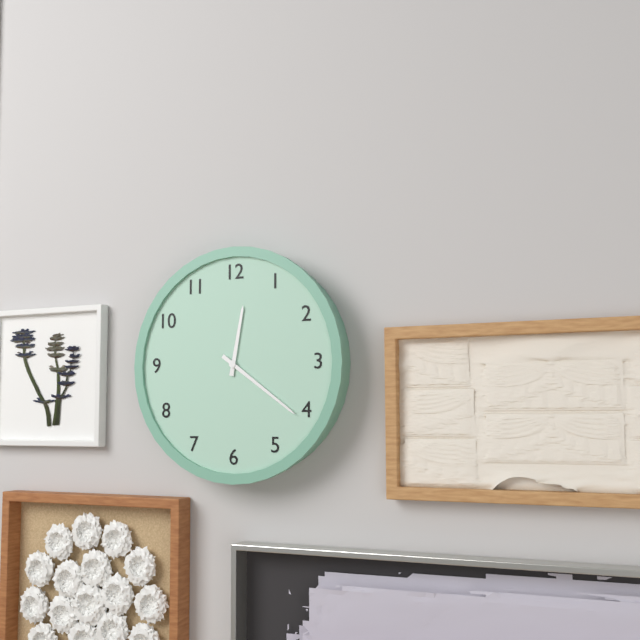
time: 12:21
